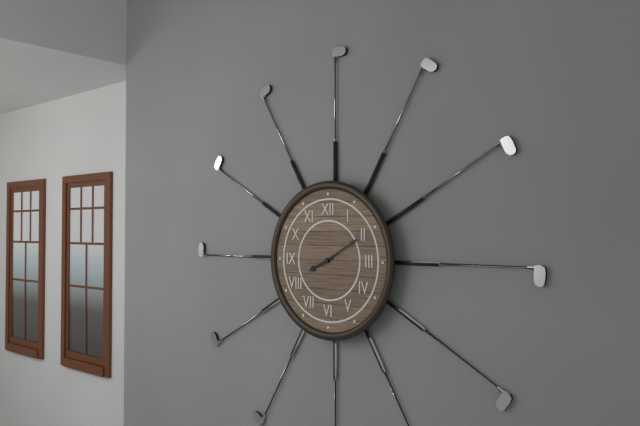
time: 8:10
